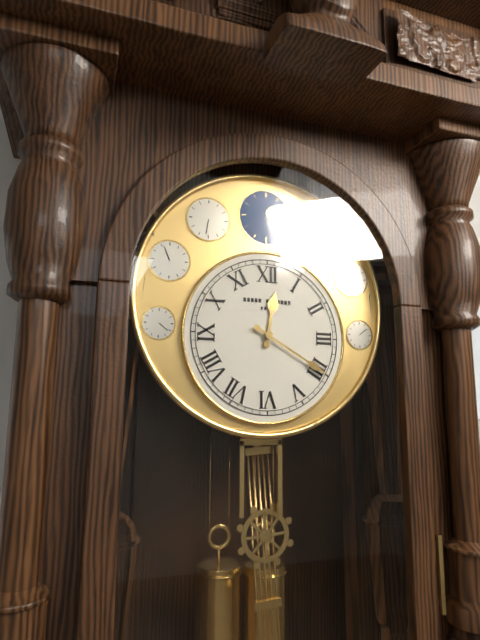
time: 12:20
